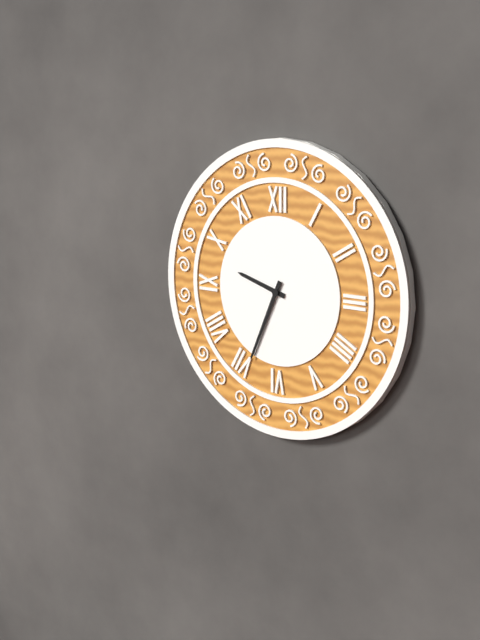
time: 9:34
